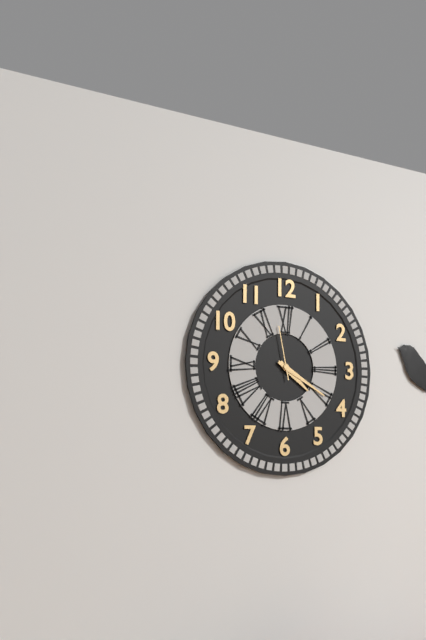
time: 4:20:58
